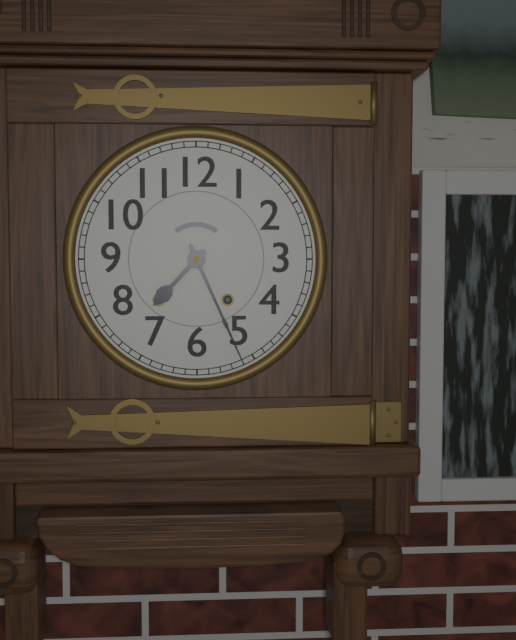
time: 7:26
